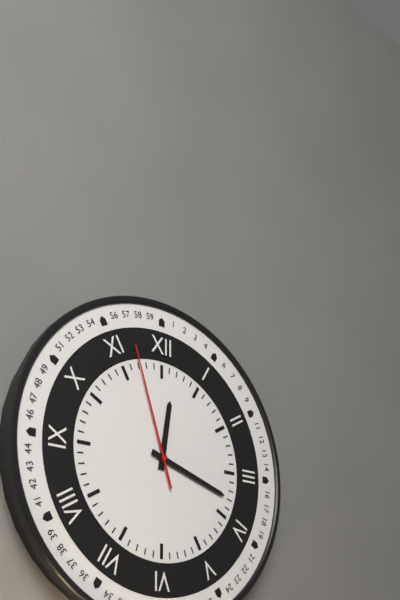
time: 12:18:57
